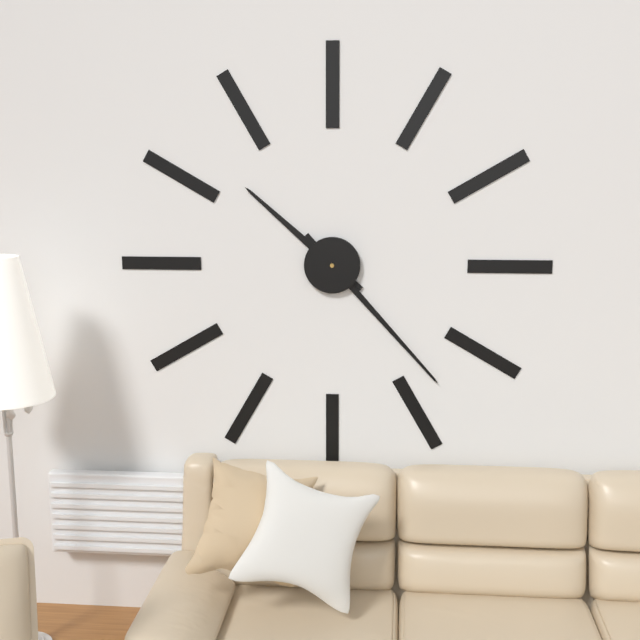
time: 10:23
